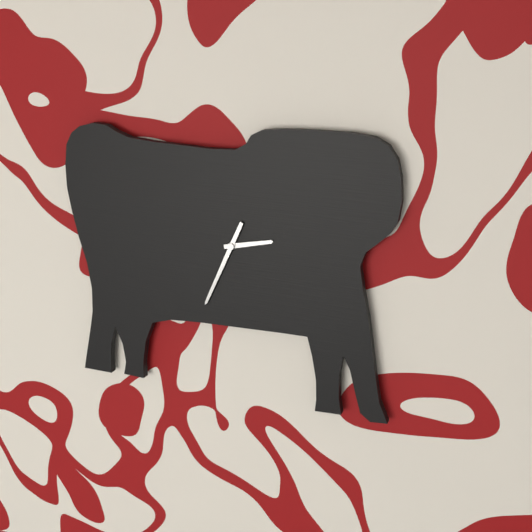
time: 2:34
